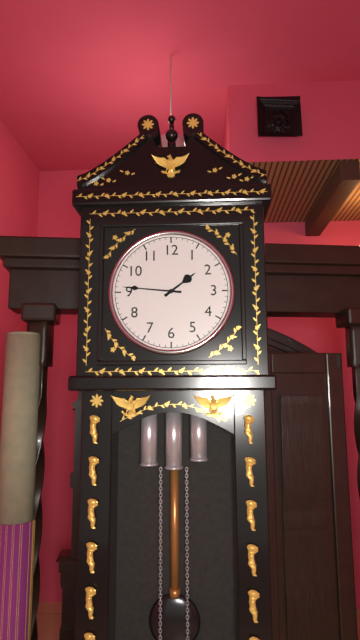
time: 1:46
